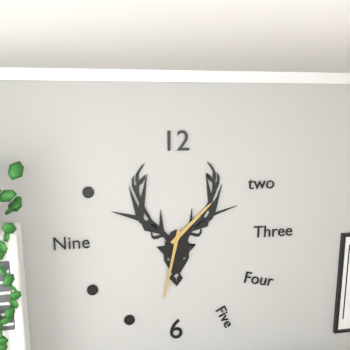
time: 1:32
